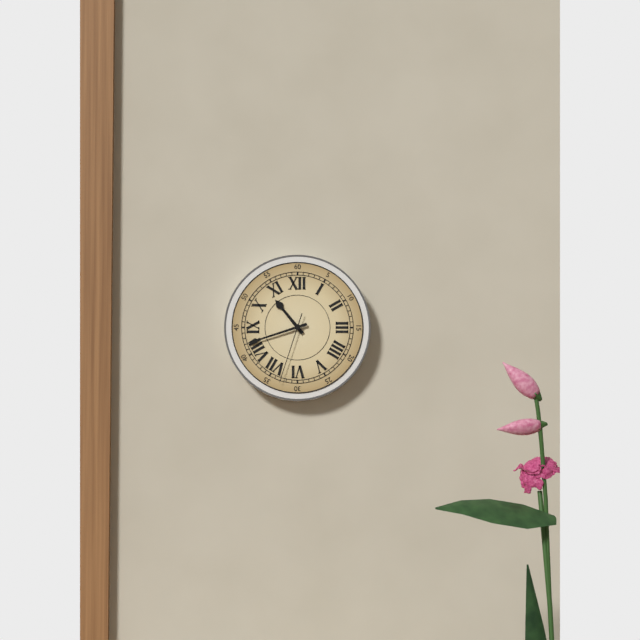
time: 10:42:33
